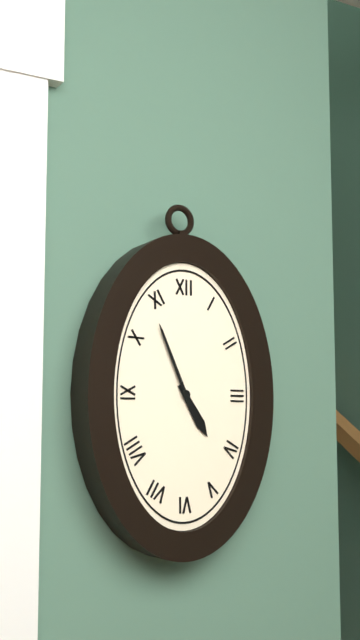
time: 4:56
